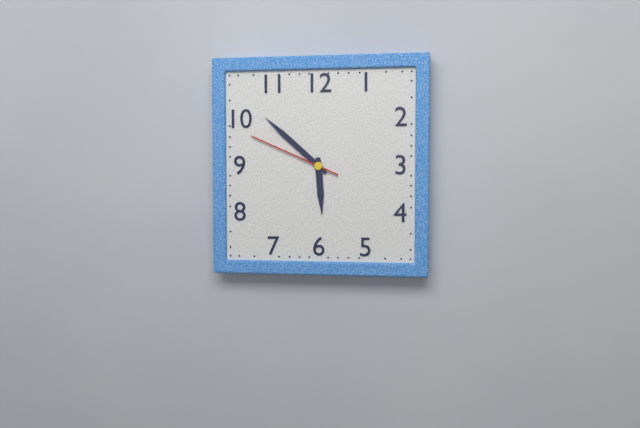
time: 5:52:49
